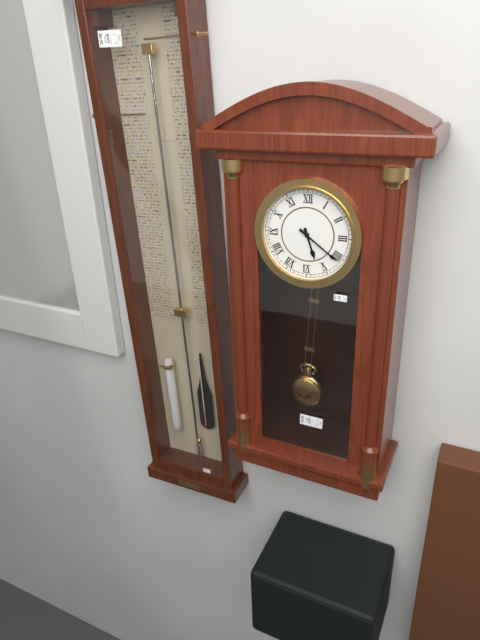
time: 5:21
